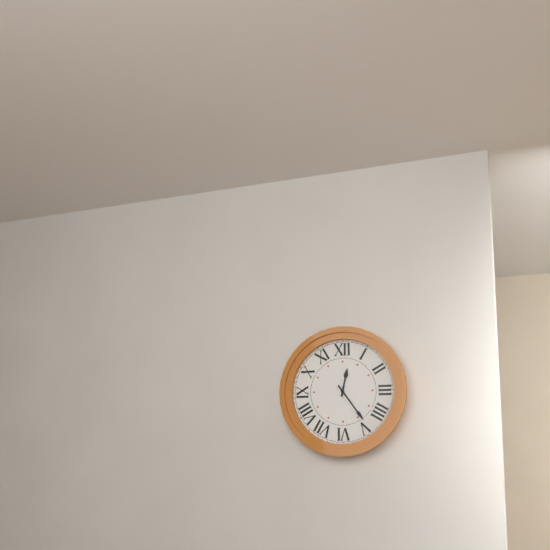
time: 12:24
